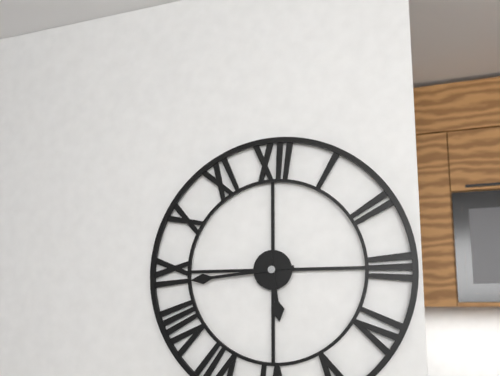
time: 5:44
